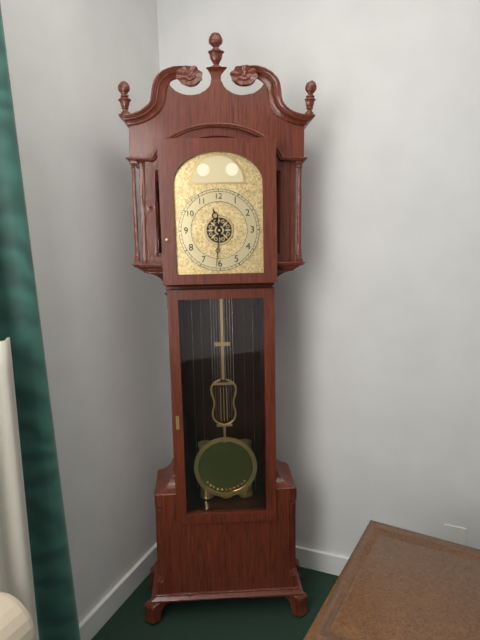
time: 11:31
